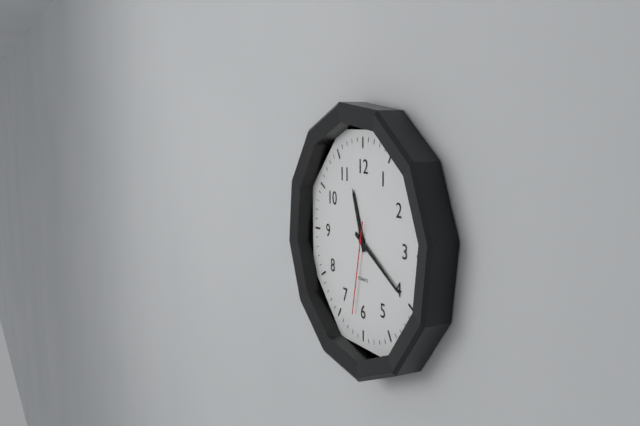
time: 11:20:32
